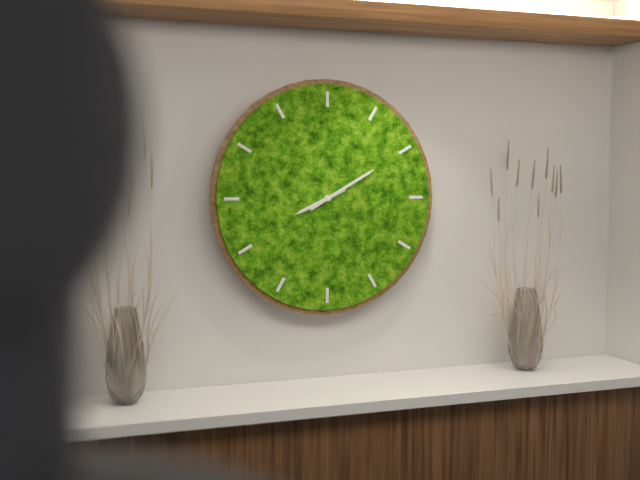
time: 8:10
